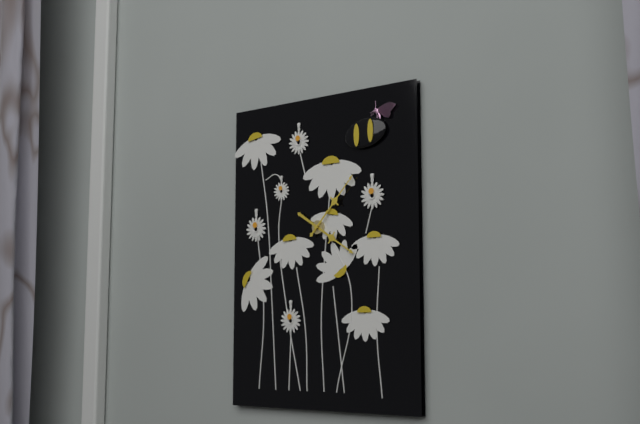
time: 4:07
